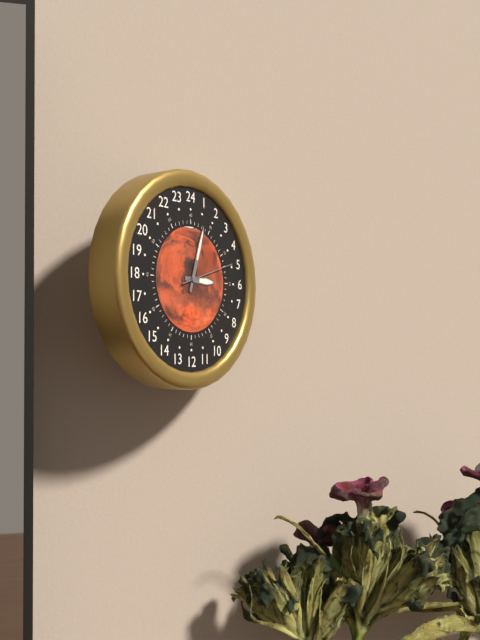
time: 3:03:12
